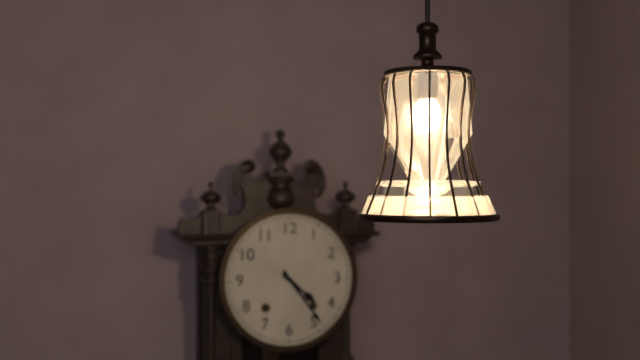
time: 4:24
